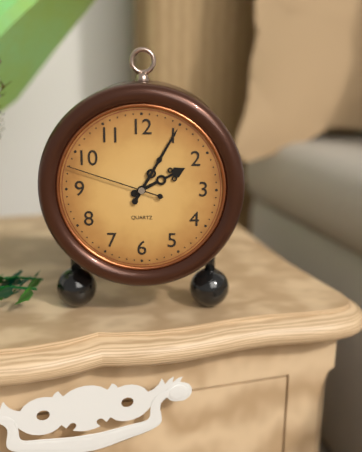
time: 2:05:48
